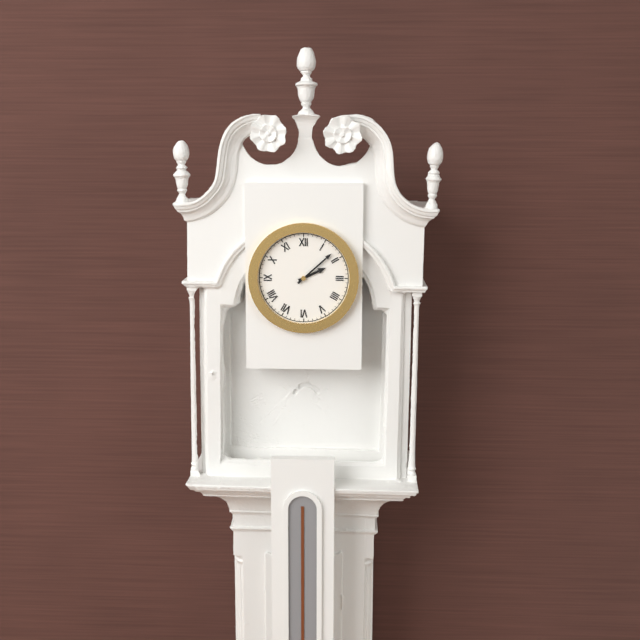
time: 2:08
